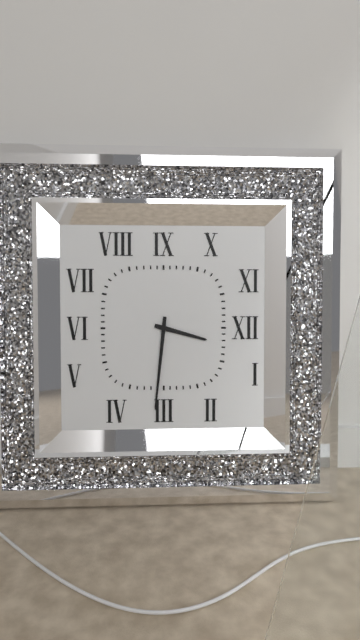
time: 3:31
